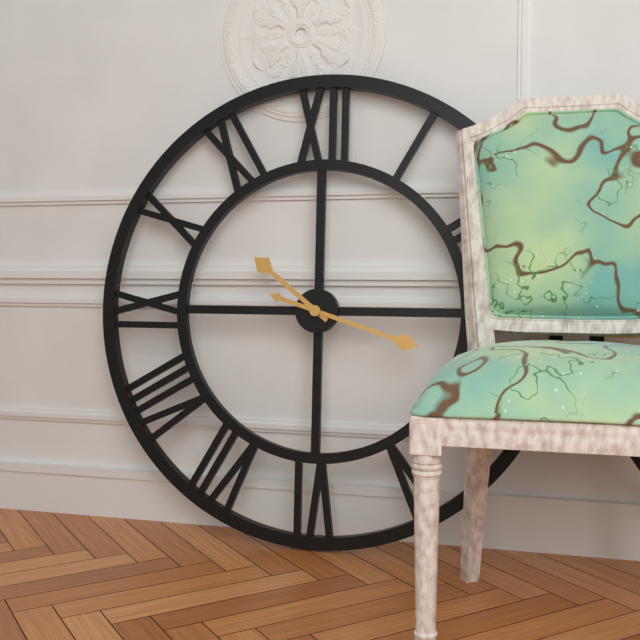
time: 10:18
